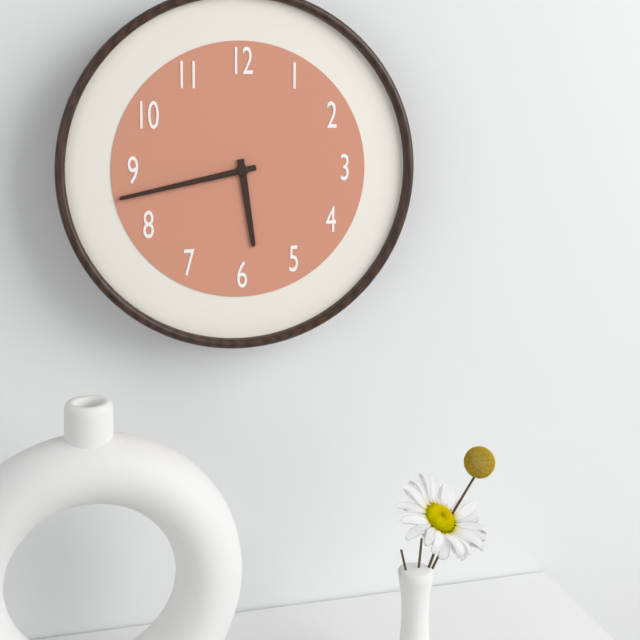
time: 5:43
